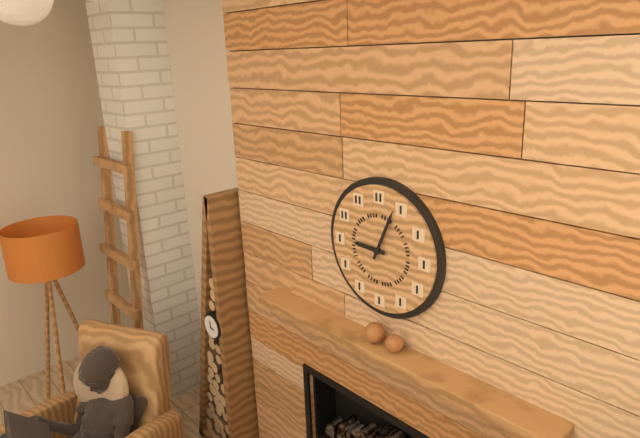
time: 9:04
